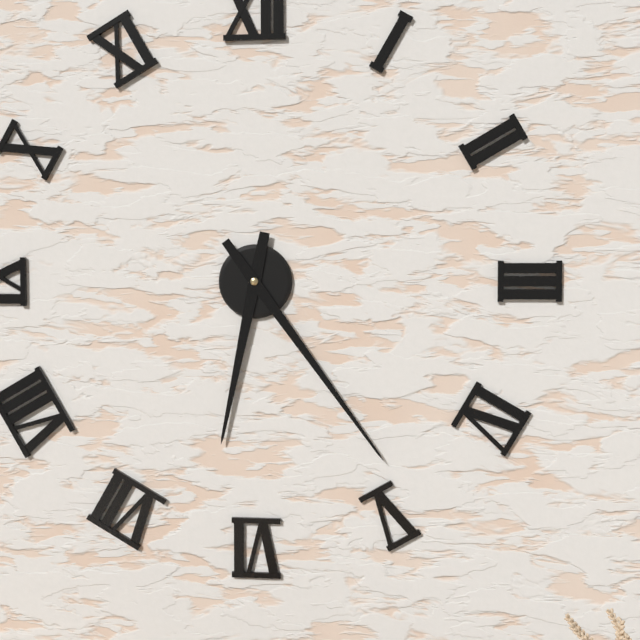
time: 6:24
